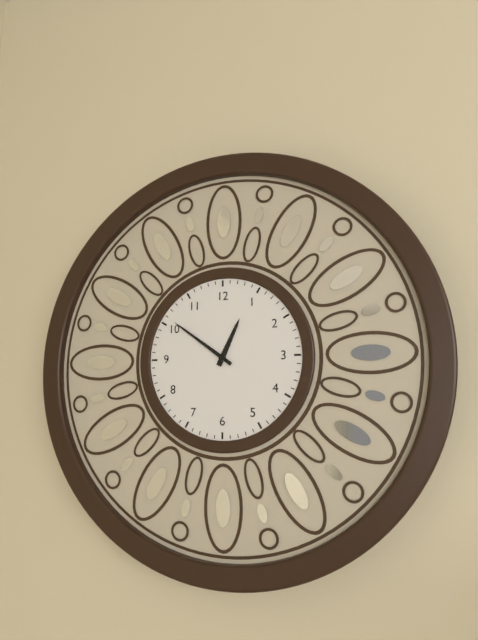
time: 12:51
